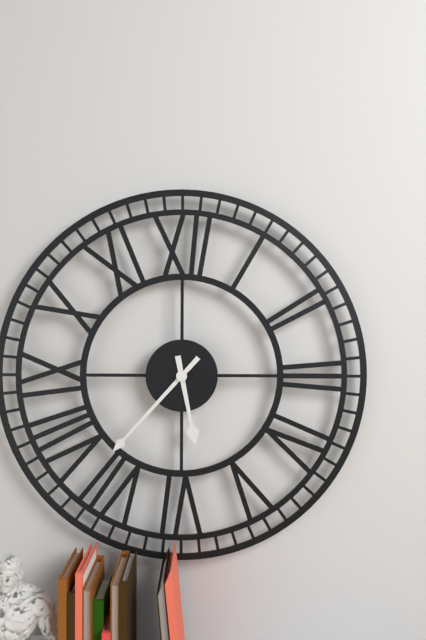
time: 5:37
